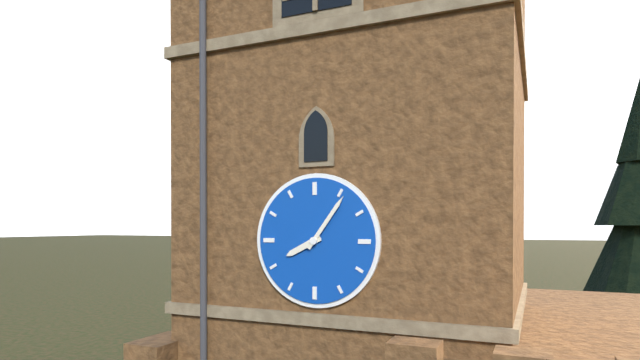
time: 8:06
